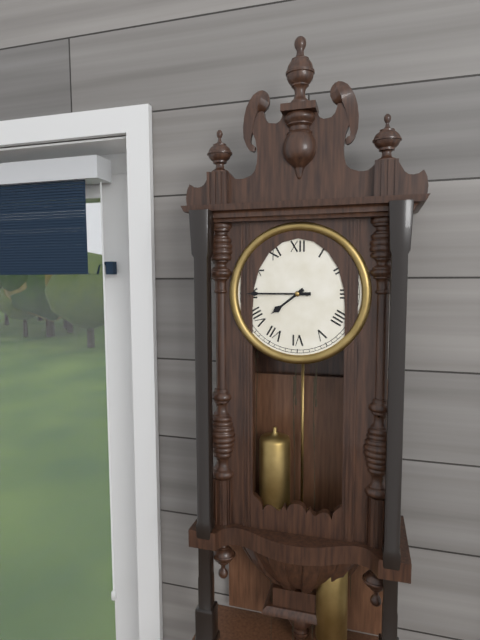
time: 7:45
